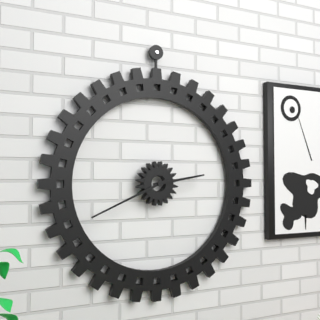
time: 2:41
